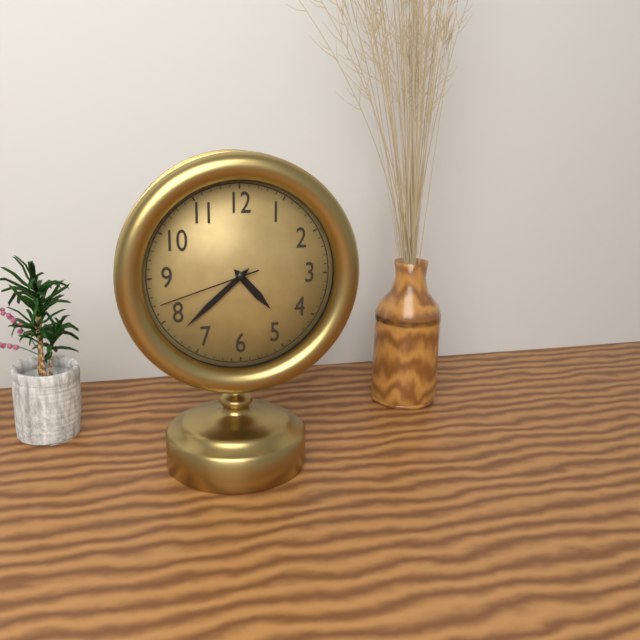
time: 4:38:42
